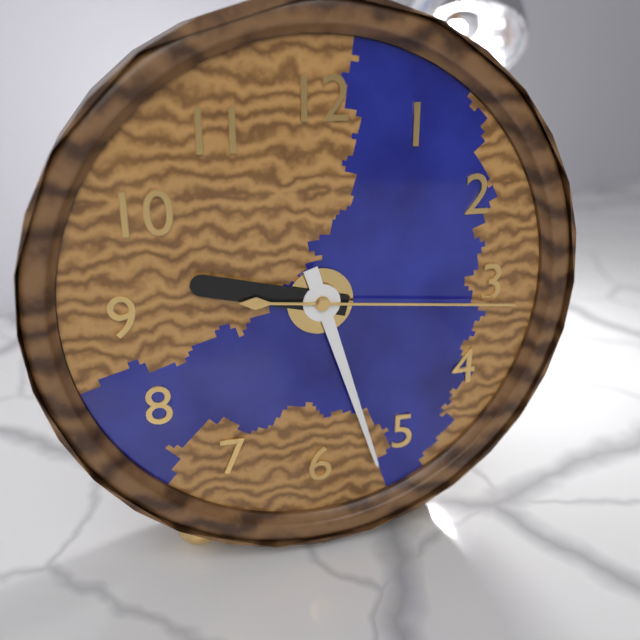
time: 9:27:16
